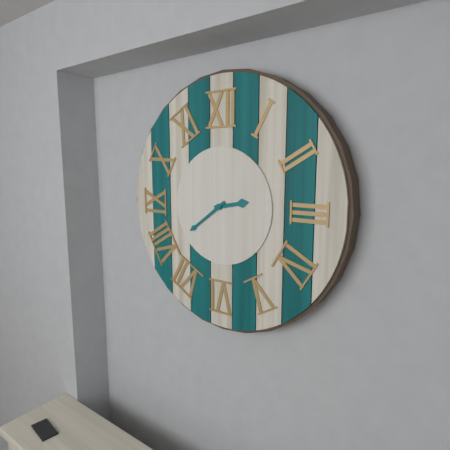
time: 2:39
